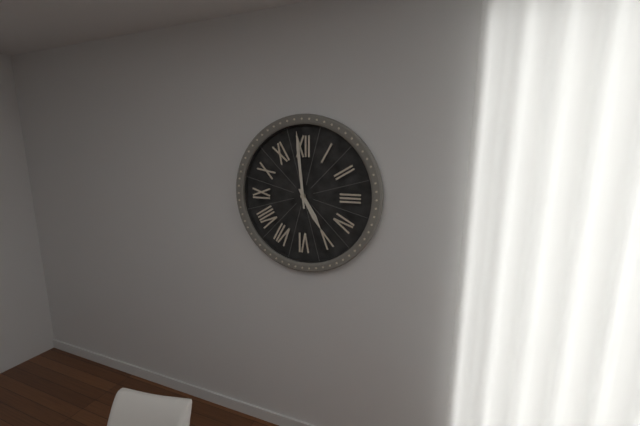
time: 4:59
